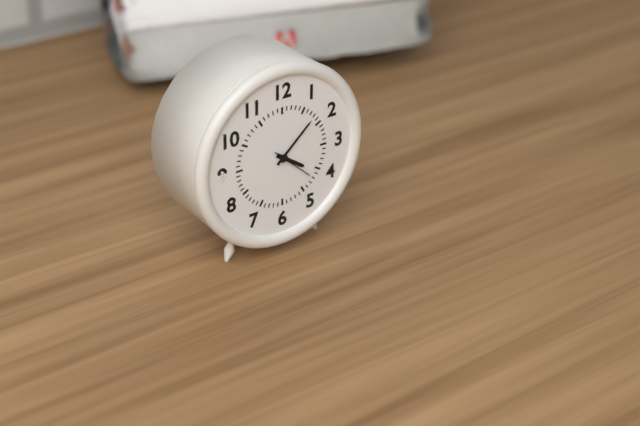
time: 4:08
